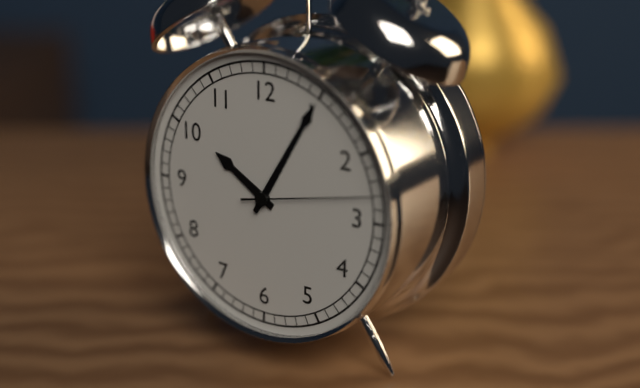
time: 10:05:13
